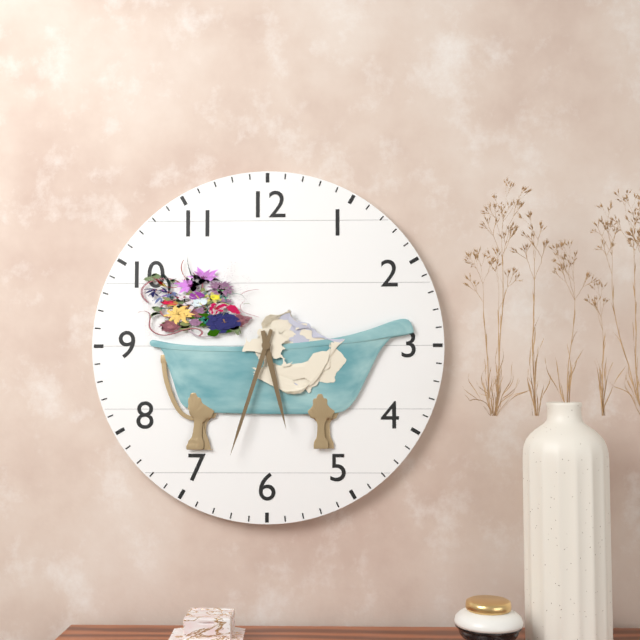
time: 5:33
